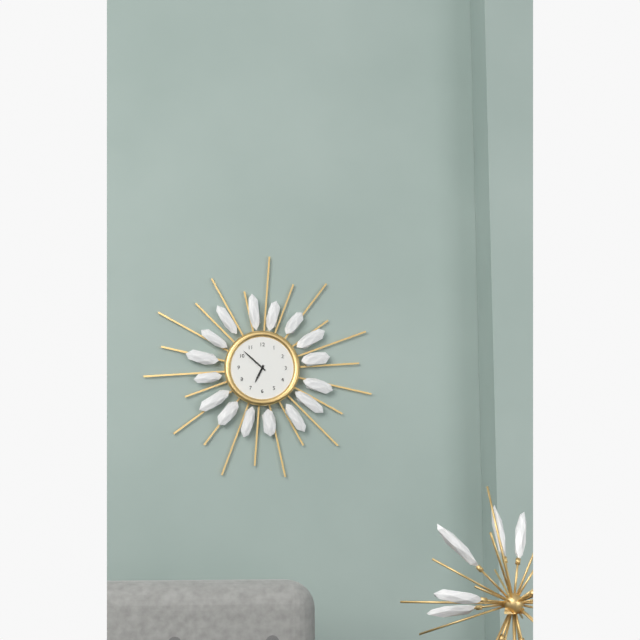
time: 6:52
